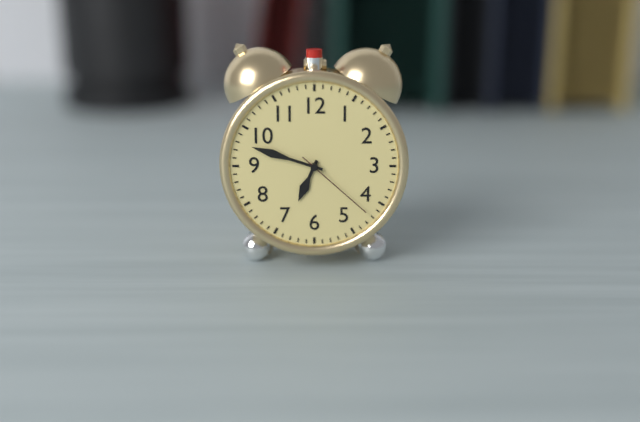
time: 6:48:22
